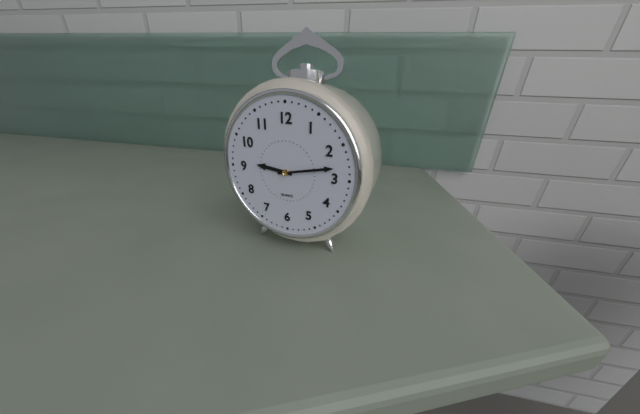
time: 9:13
